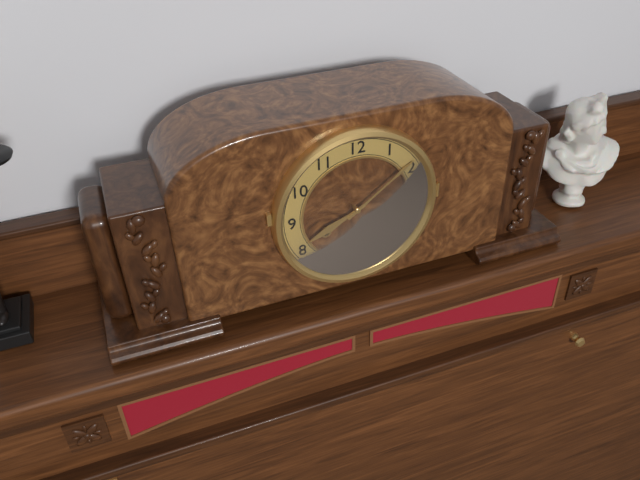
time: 8:09
